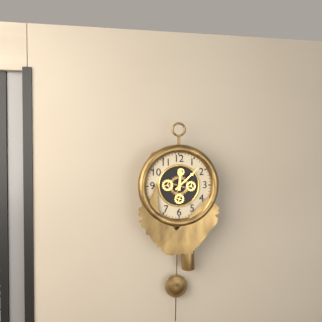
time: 12:08
